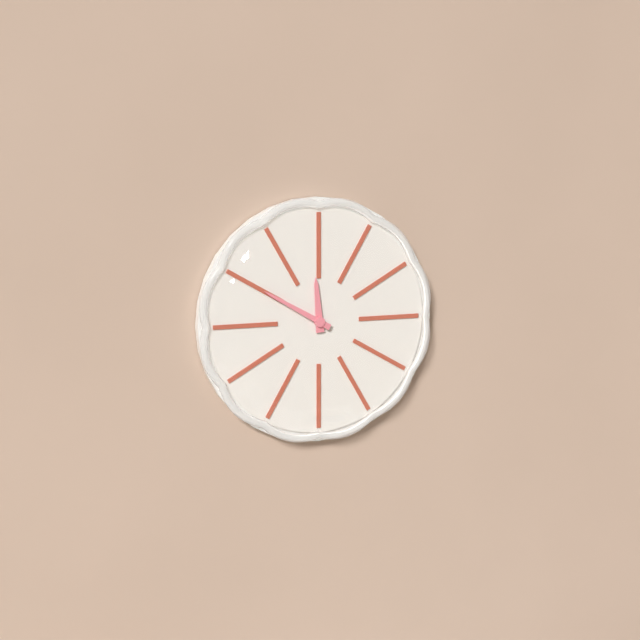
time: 11:50
